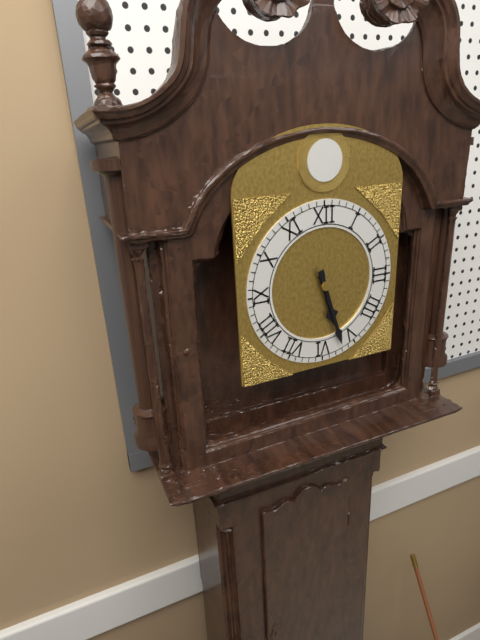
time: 5:27
